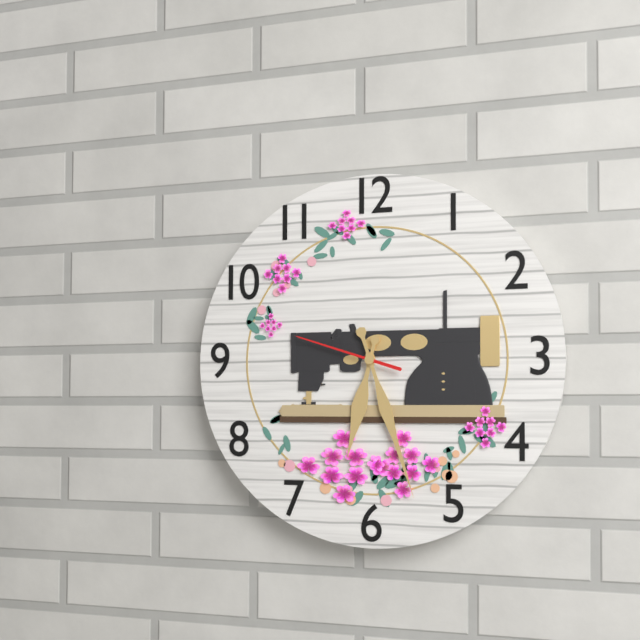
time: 6:27:48
